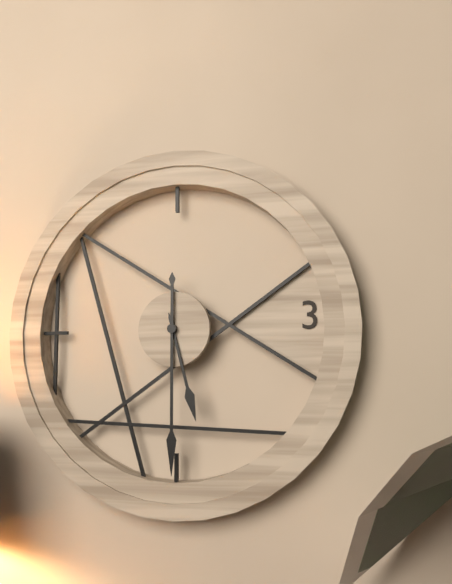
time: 5:30
